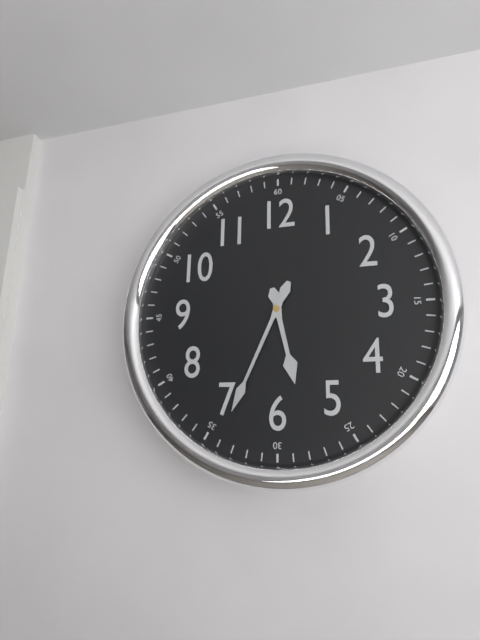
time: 5:34
